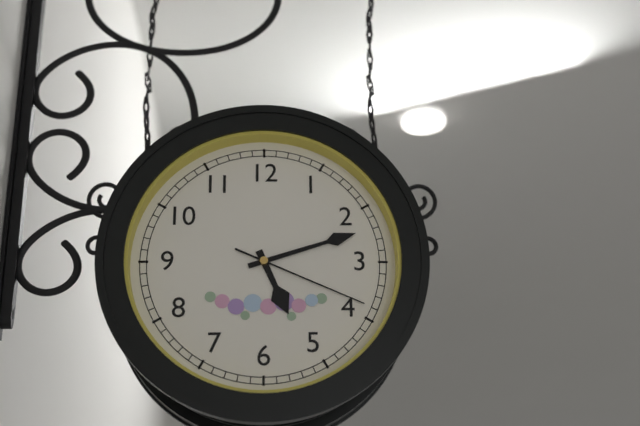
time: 5:12:19
